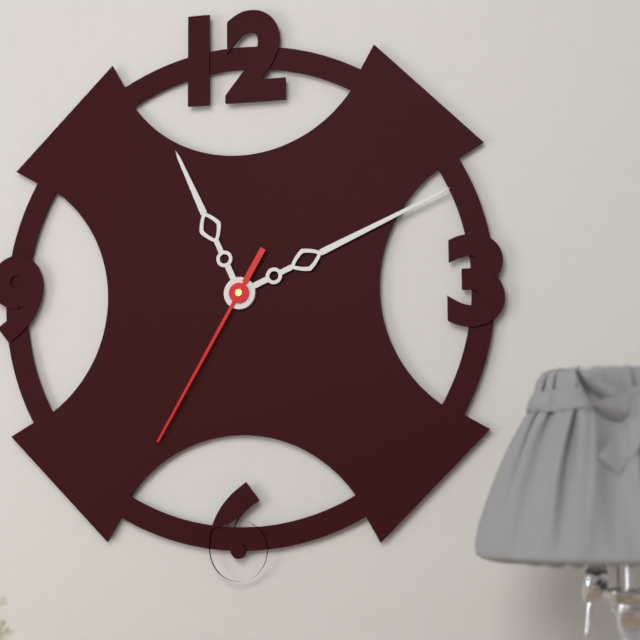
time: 11:11:35
